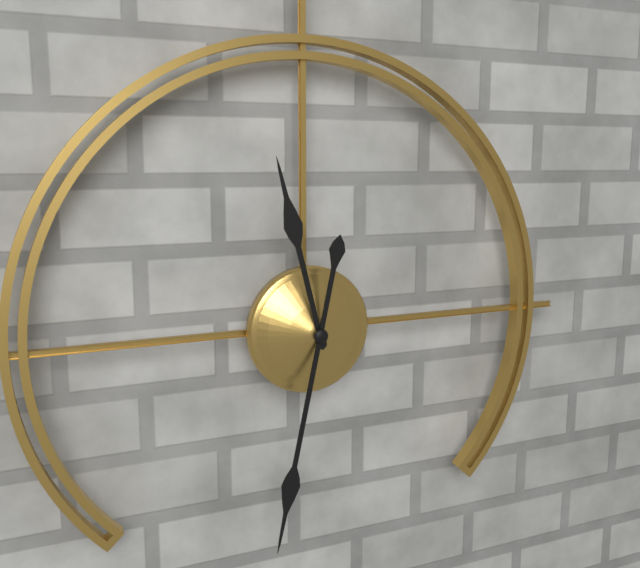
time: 11:32
